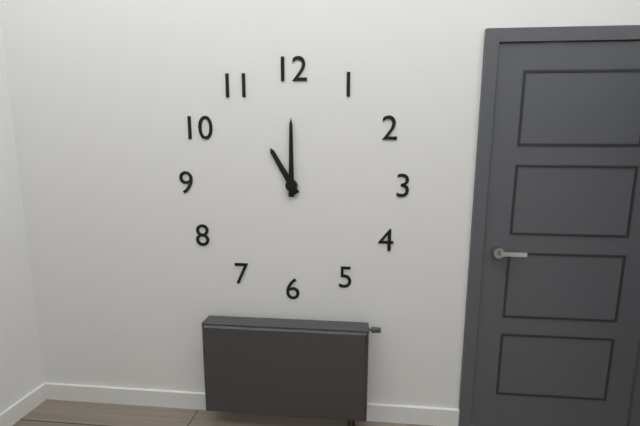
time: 11:00
